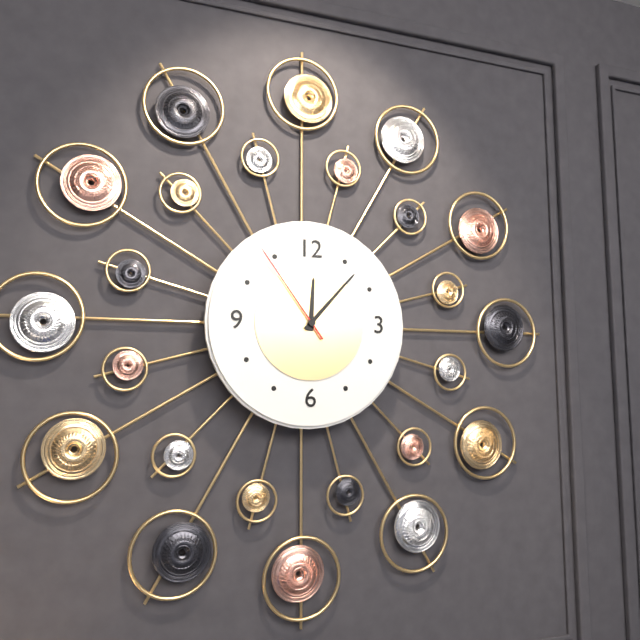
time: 12:07:54
